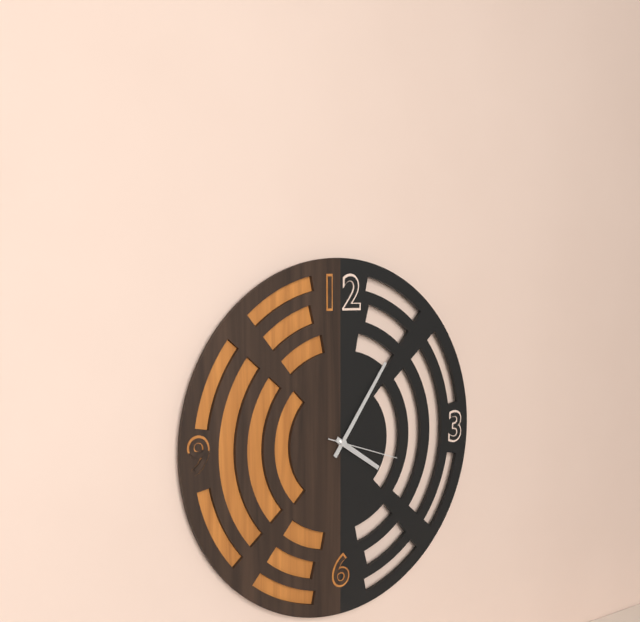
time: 4:06:18
